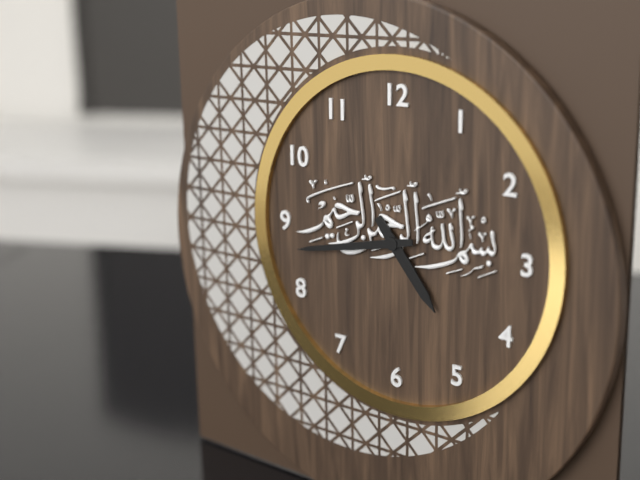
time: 4:43
